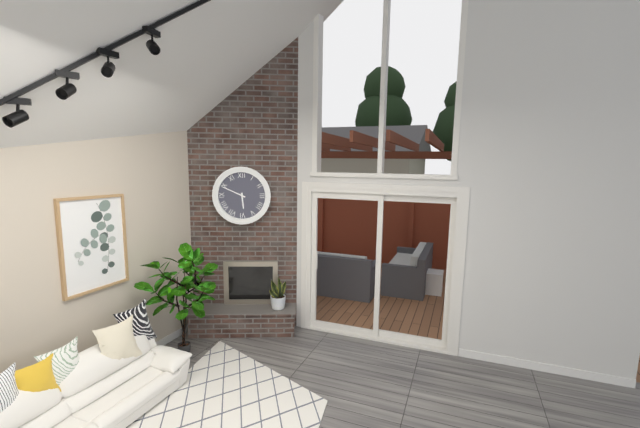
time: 5:49
